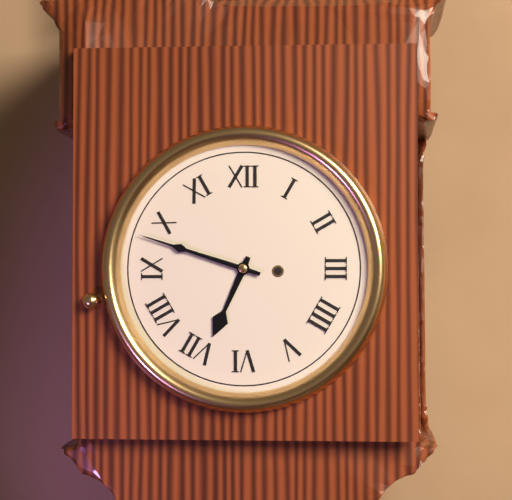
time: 6:48
